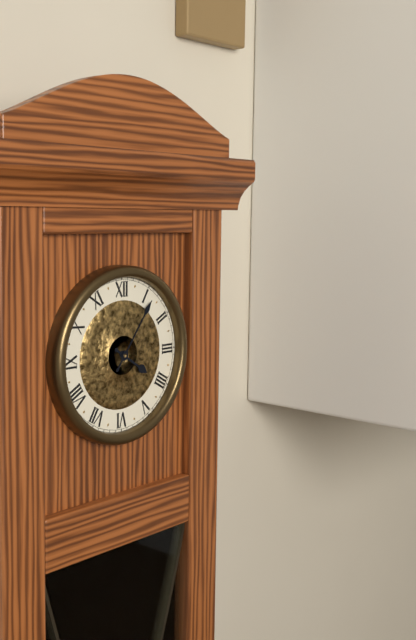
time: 4:06
